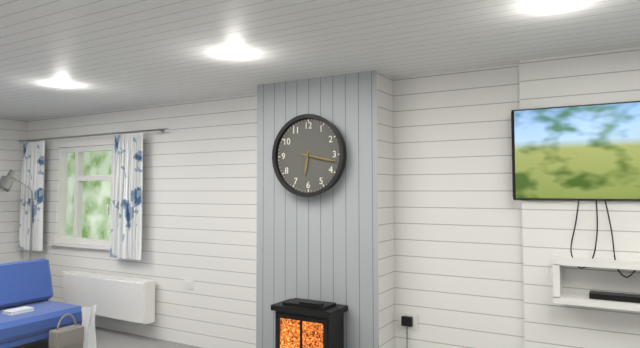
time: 6:17
